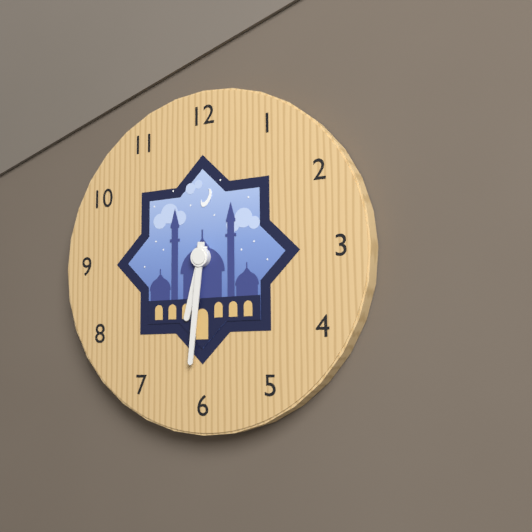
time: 6:31
